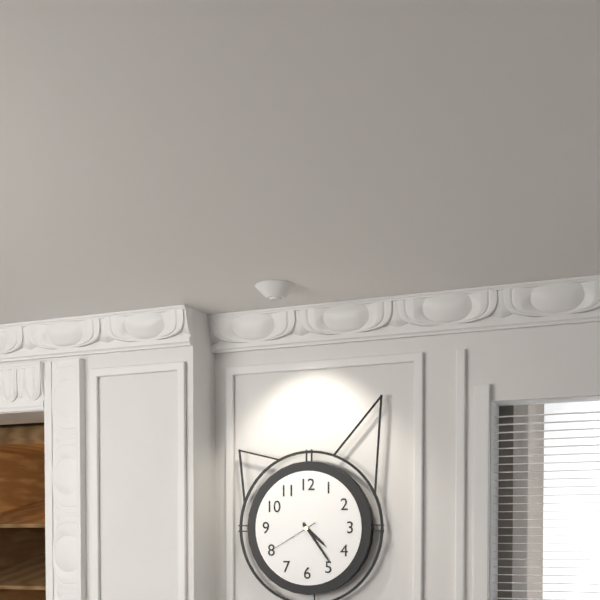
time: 4:24:40
